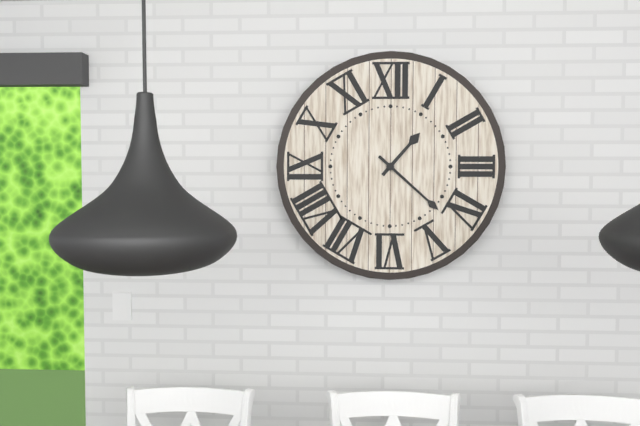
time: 1:22
